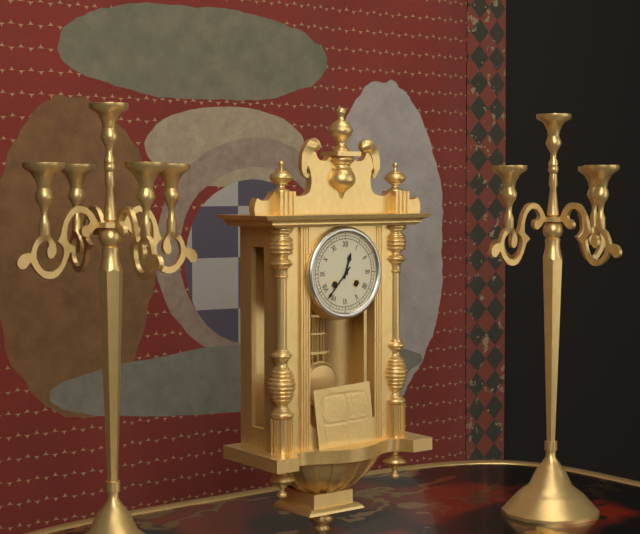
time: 12:37
